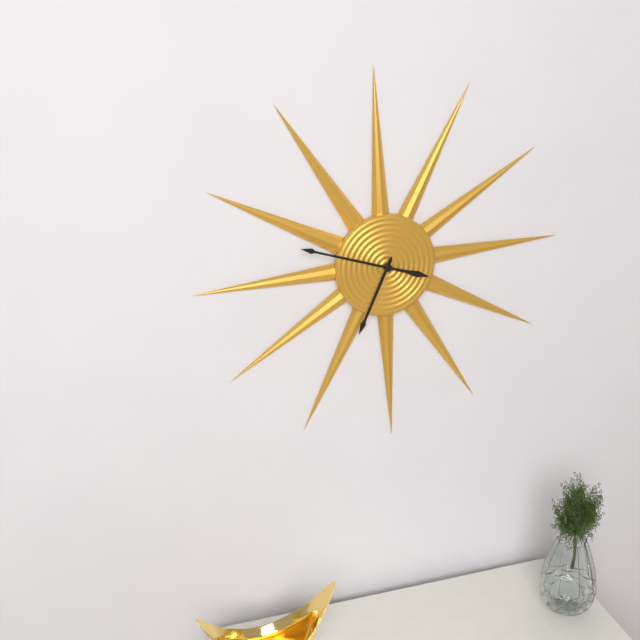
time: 6:48
